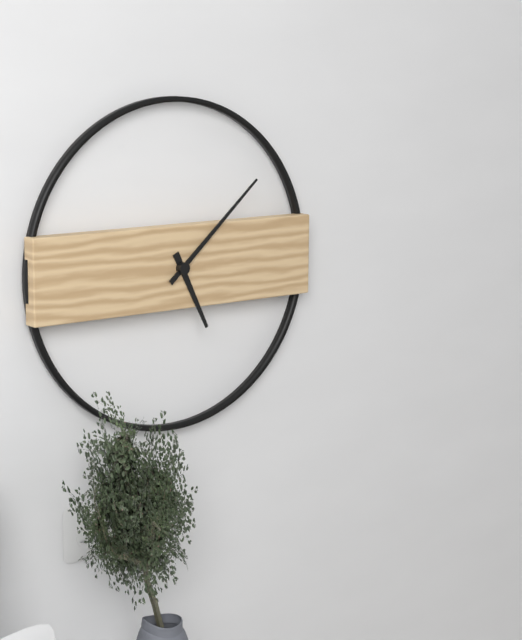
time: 5:08
